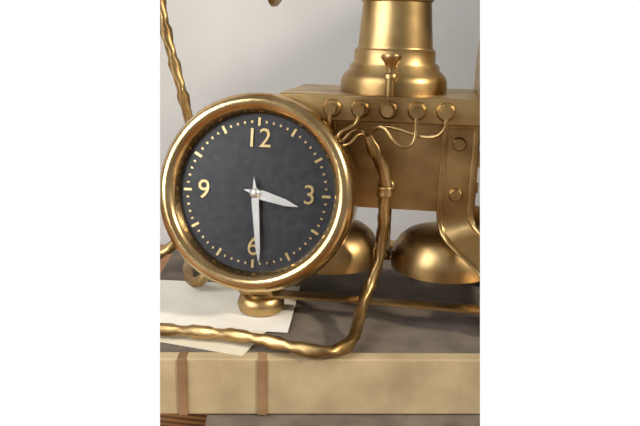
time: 3:29
